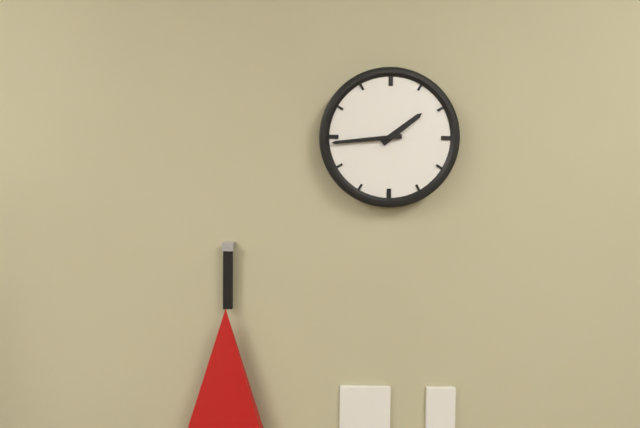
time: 1:44
